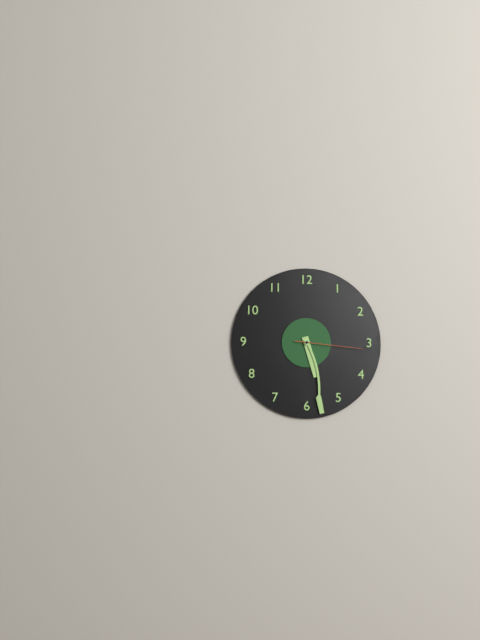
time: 5:28:16
